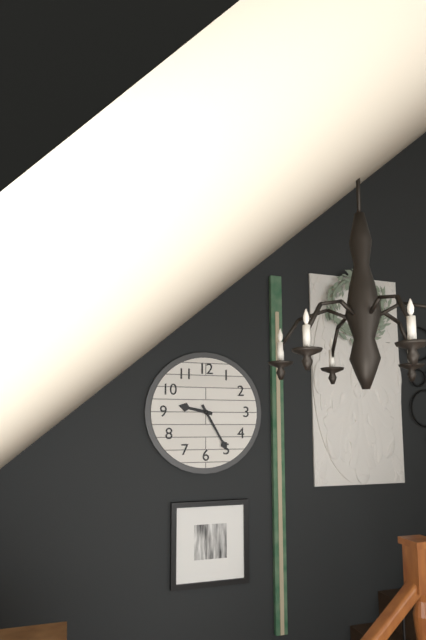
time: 9:25
